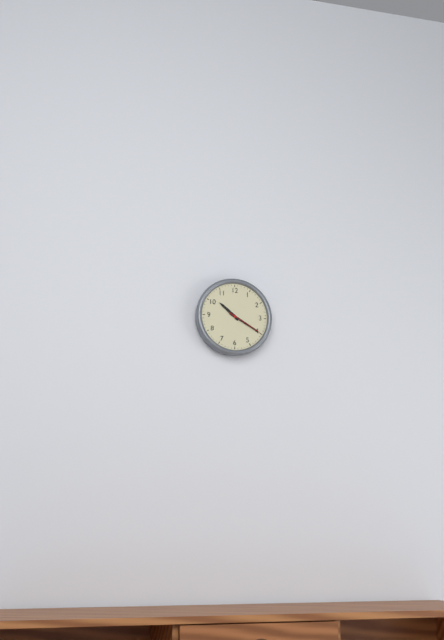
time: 10:20
